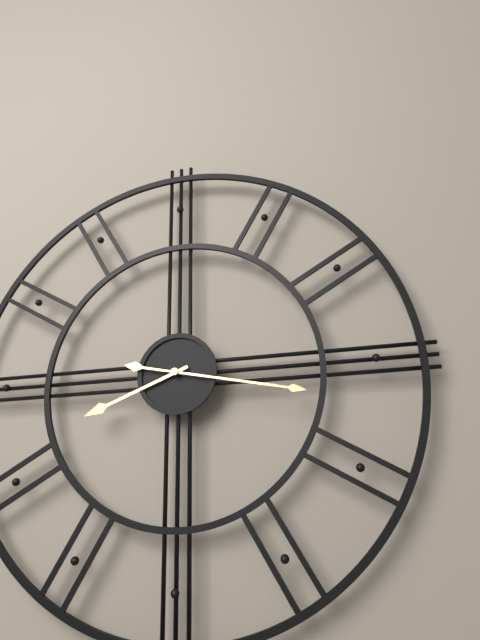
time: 8:17
